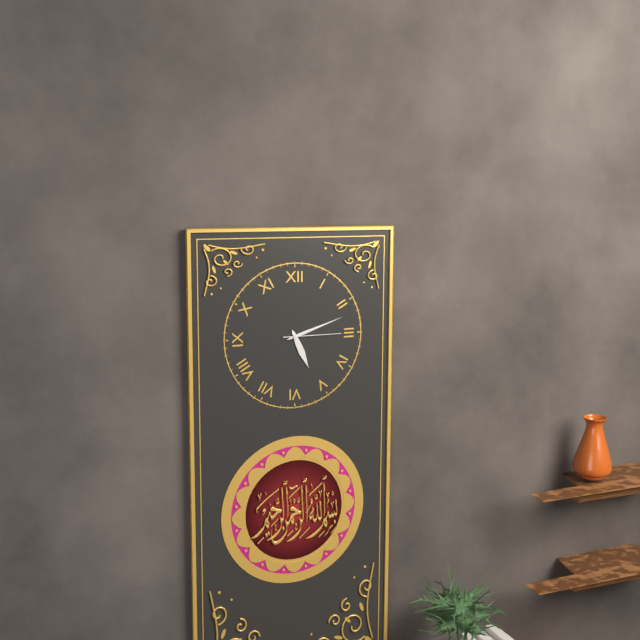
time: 5:12:15
